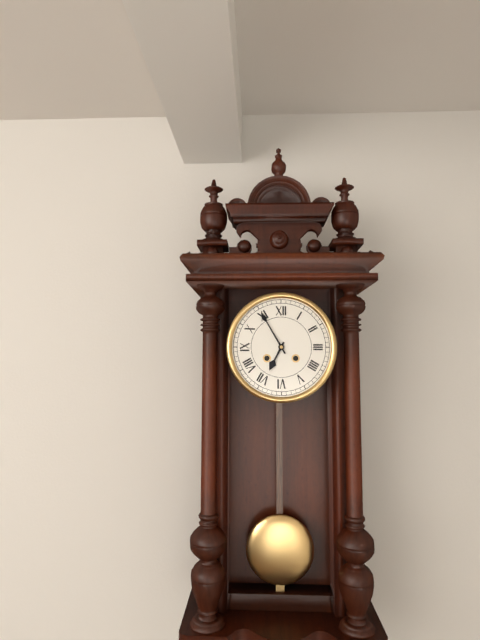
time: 6:55
